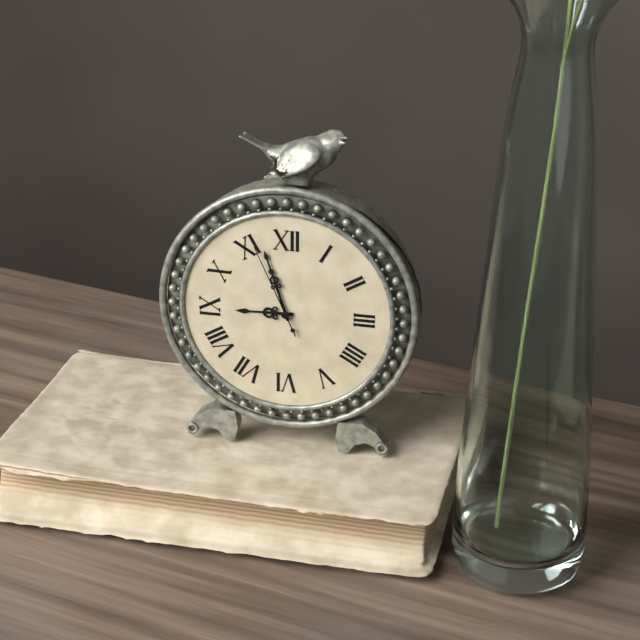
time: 8:57:56
